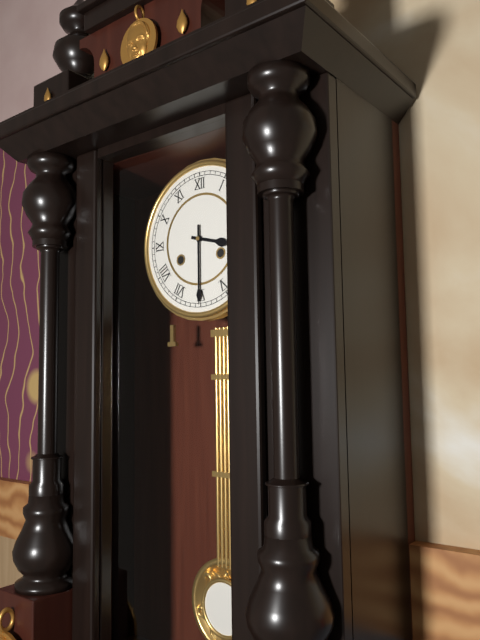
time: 3:30
